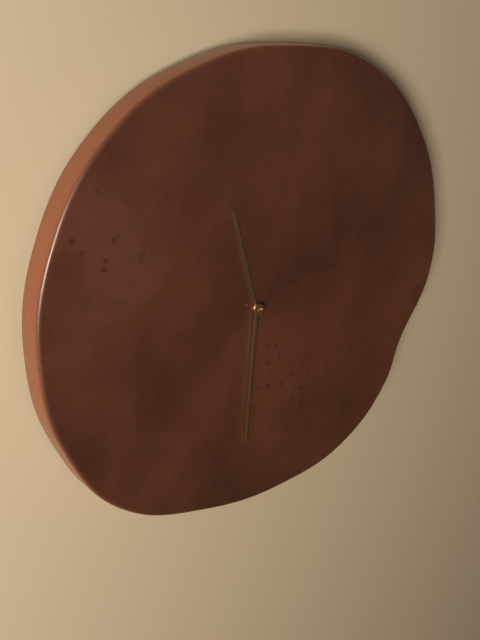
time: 11:31
